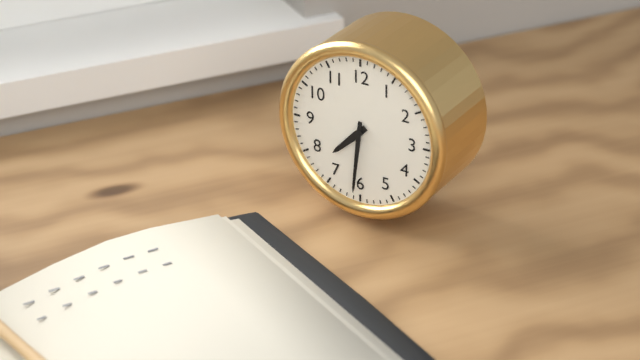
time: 7:31
